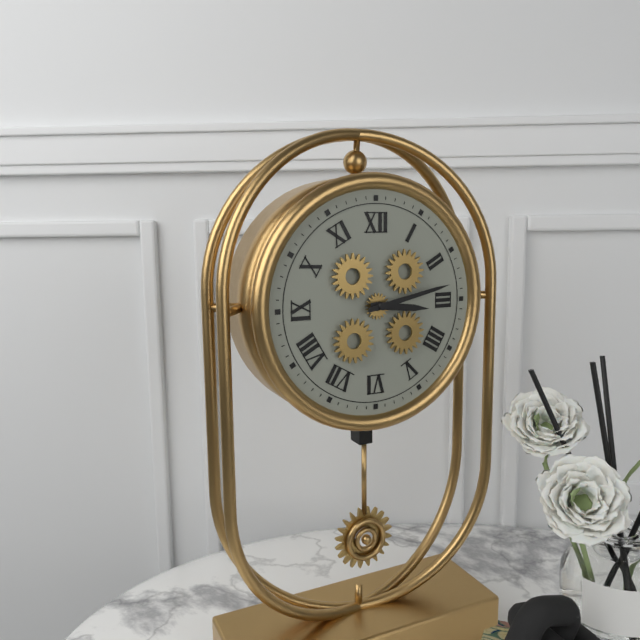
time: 3:13
